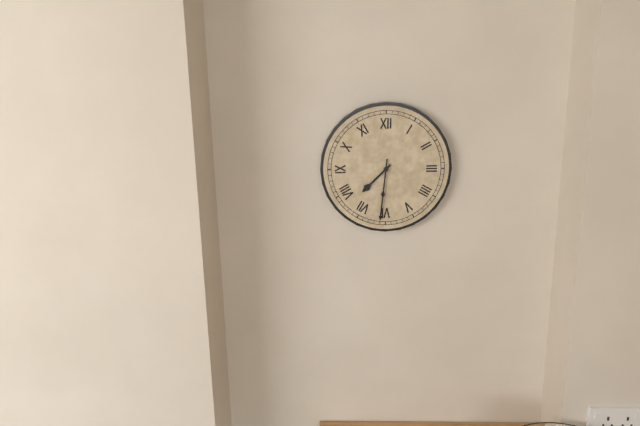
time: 7:31
